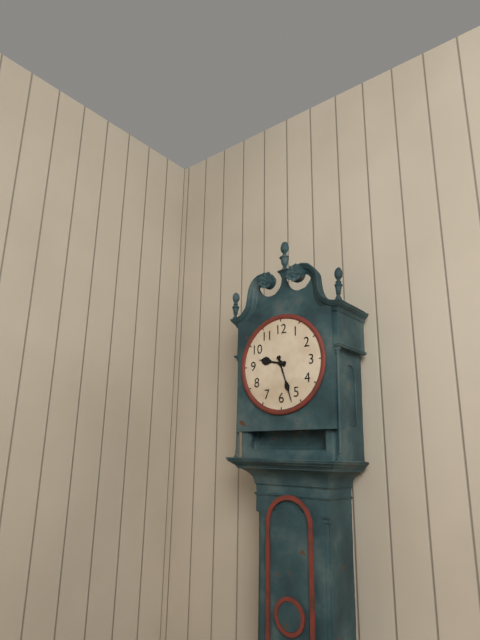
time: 9:27
